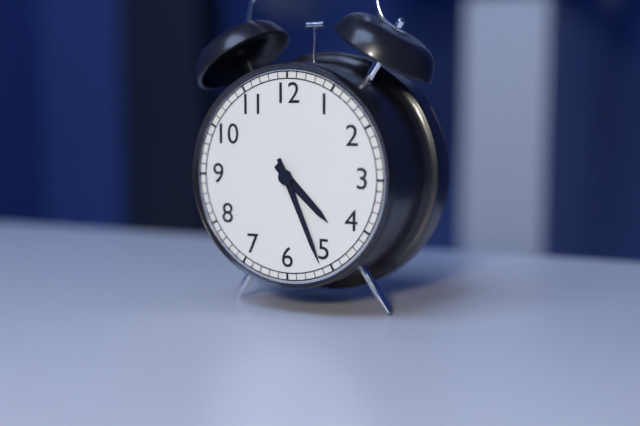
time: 4:26
